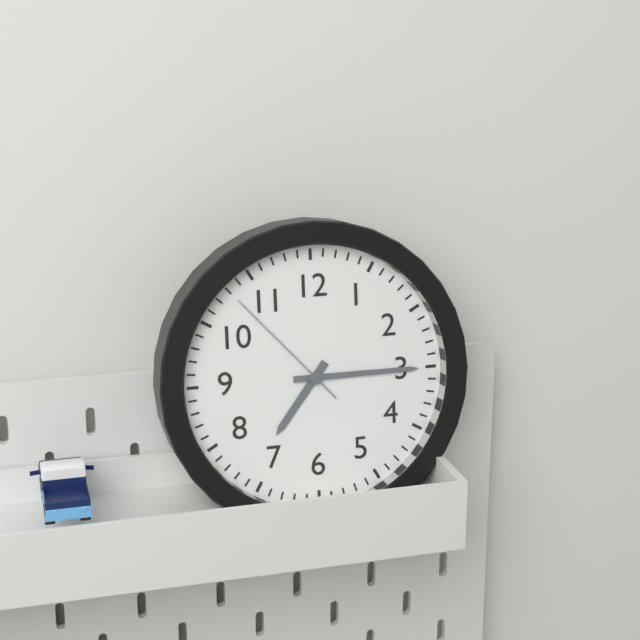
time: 7:15:53
